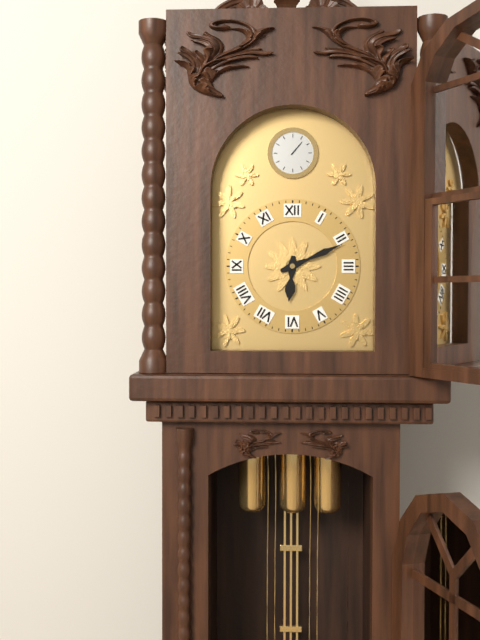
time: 6:11
